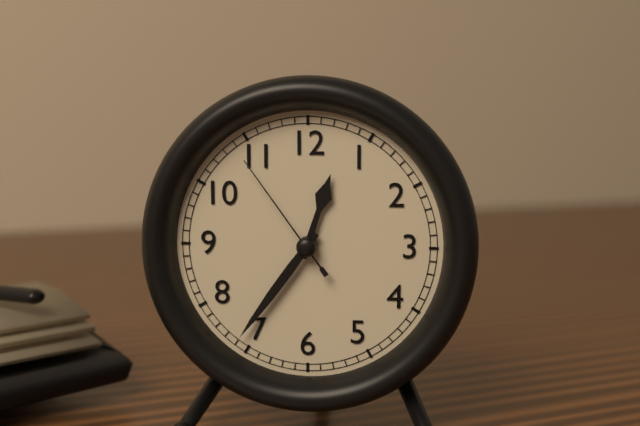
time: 12:36:54
